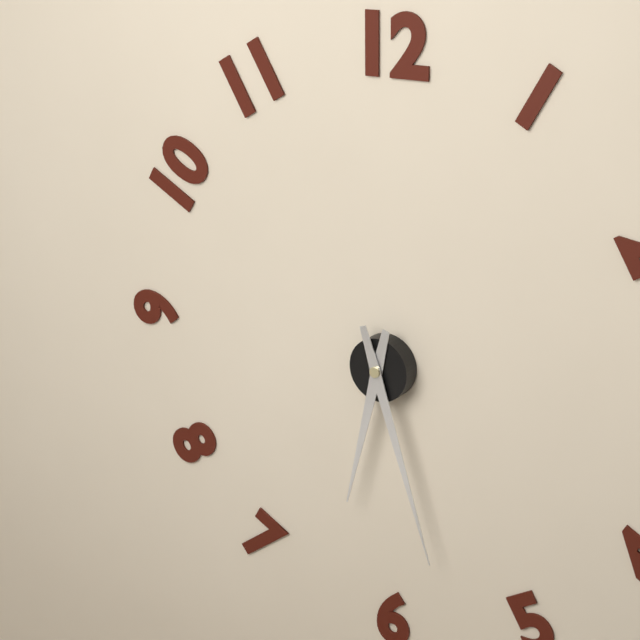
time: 6:27
